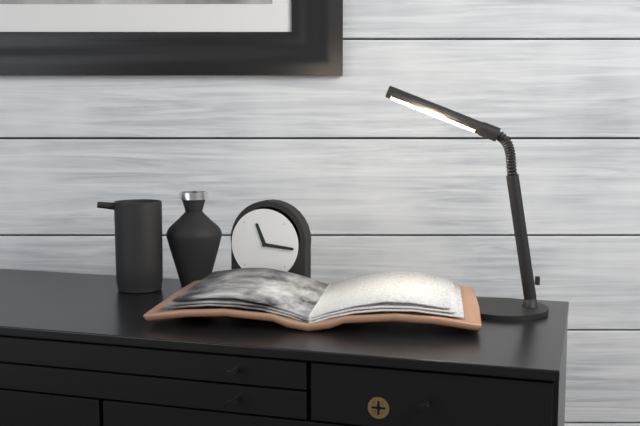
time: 11:16
